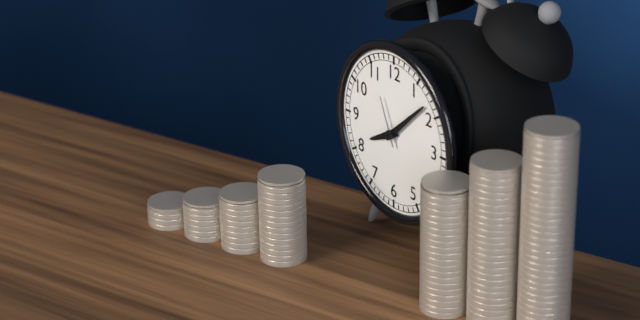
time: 8:08
